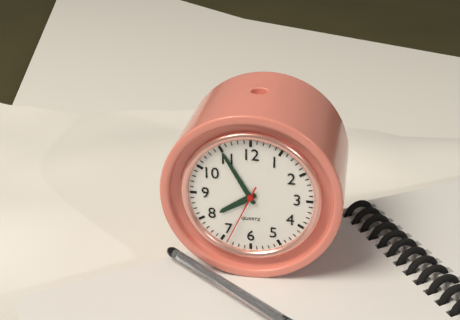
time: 7:55:34
